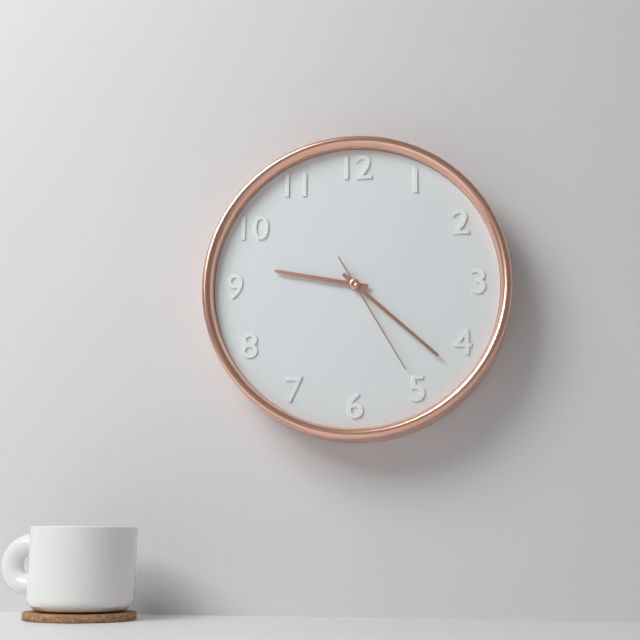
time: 9:22:25
